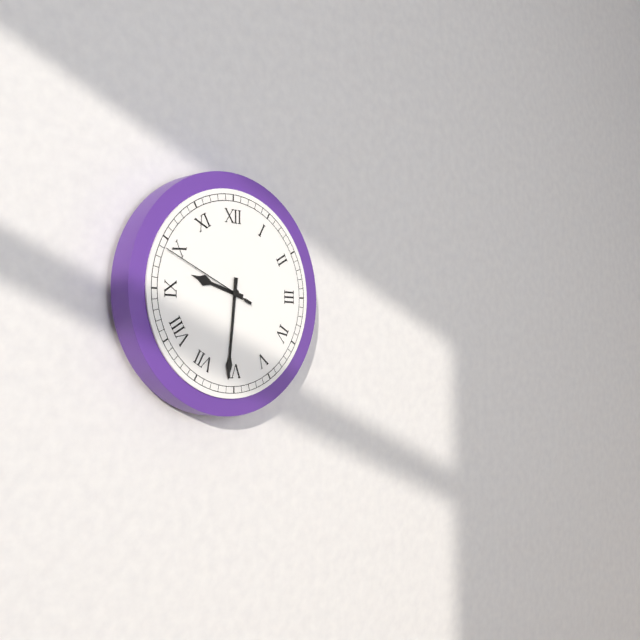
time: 9:31:49
